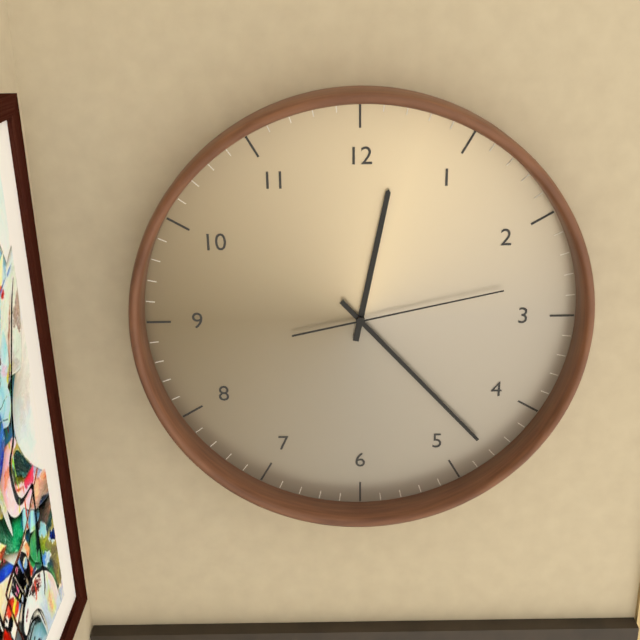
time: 12:23:13
